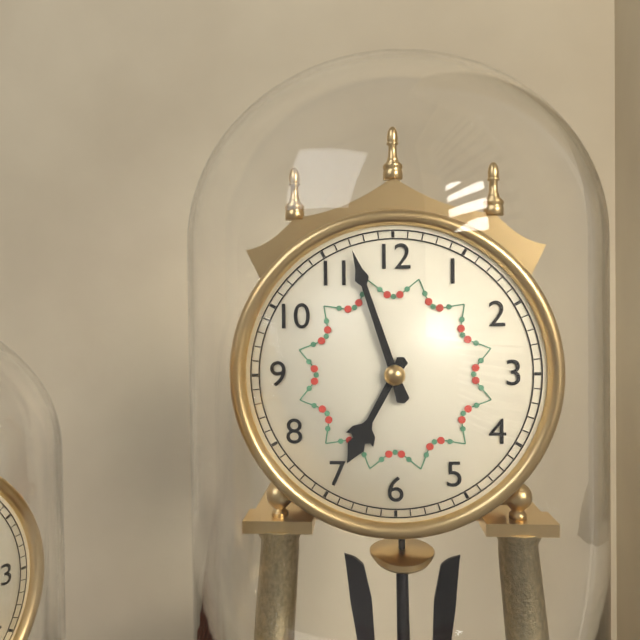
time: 6:57
